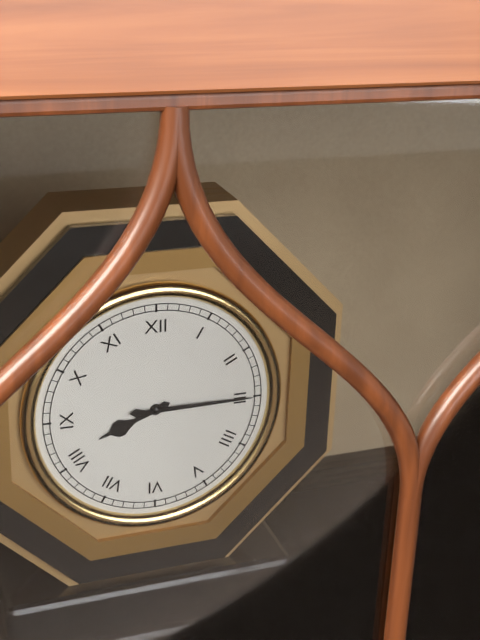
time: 8:15
